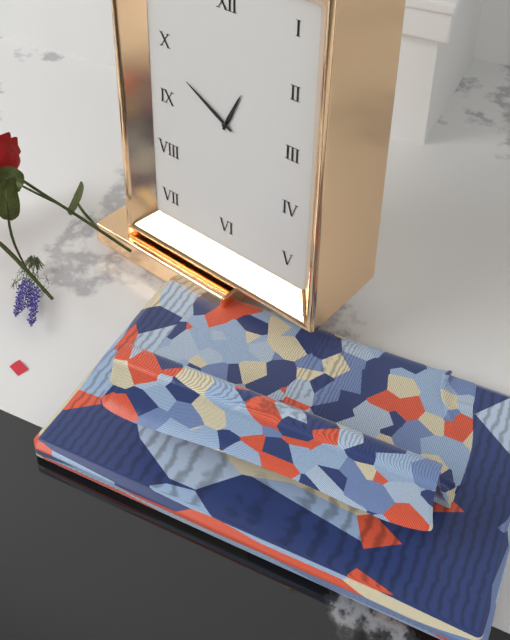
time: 12:50
